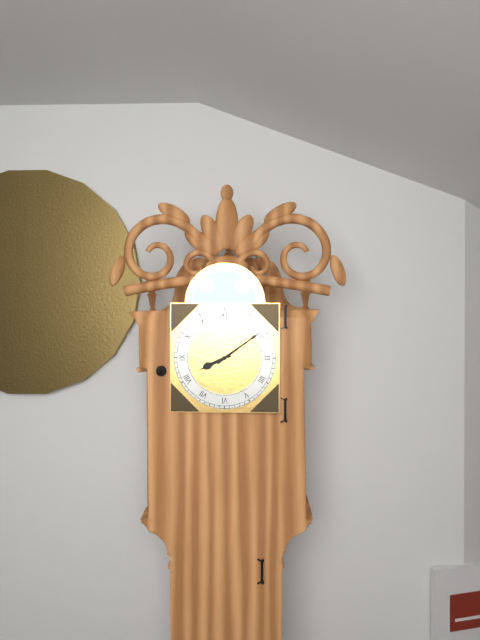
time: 8:09
